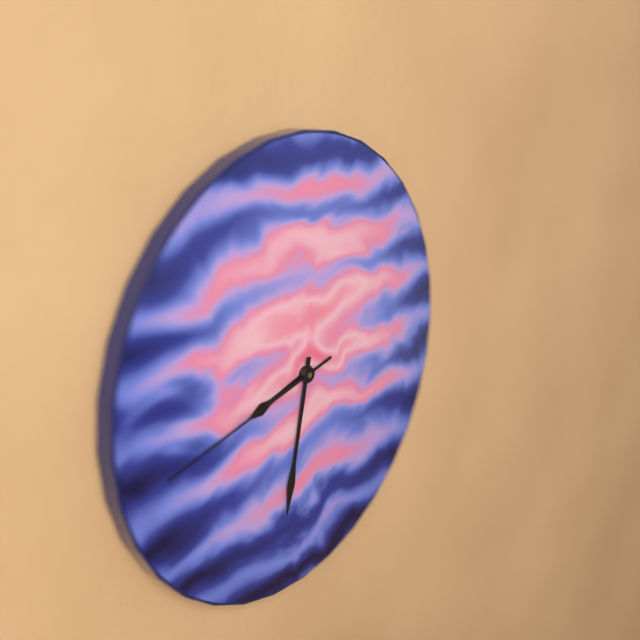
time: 8:32:43
